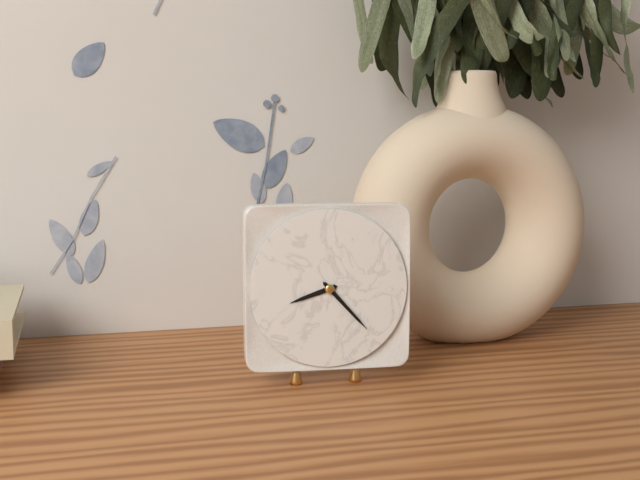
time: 8:23
